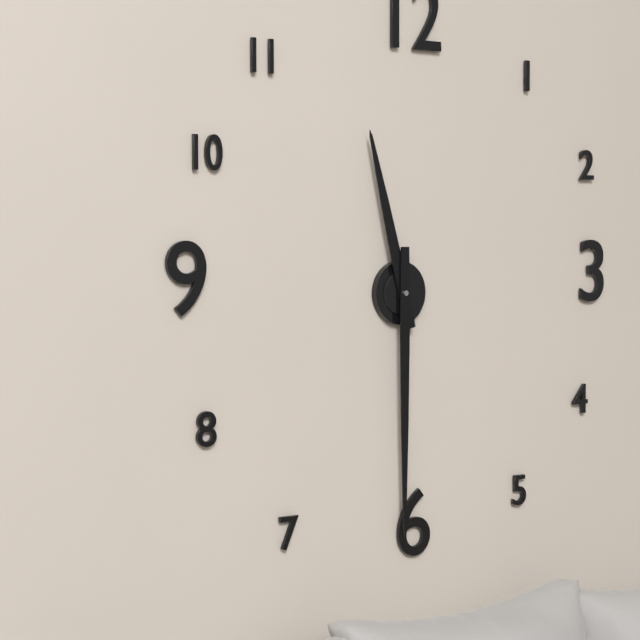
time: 11:30
